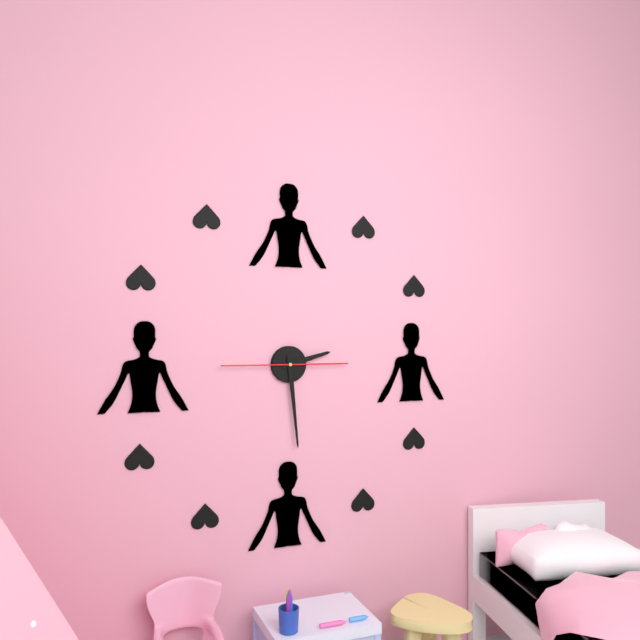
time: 2:29:45
